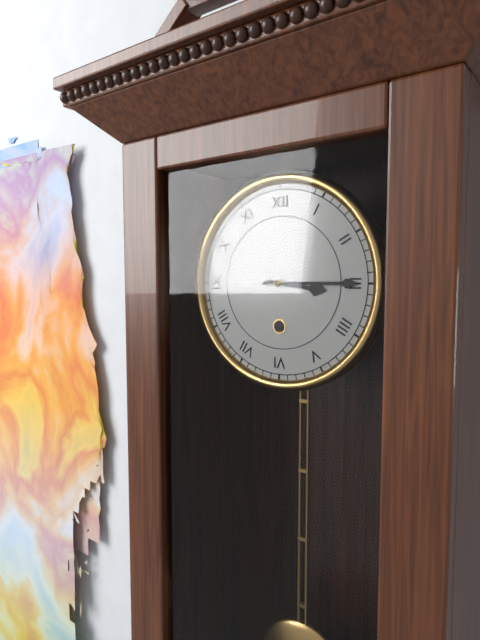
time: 3:15
